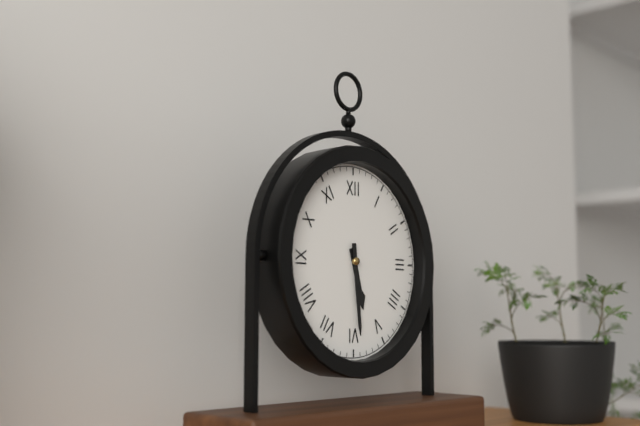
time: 5:29
